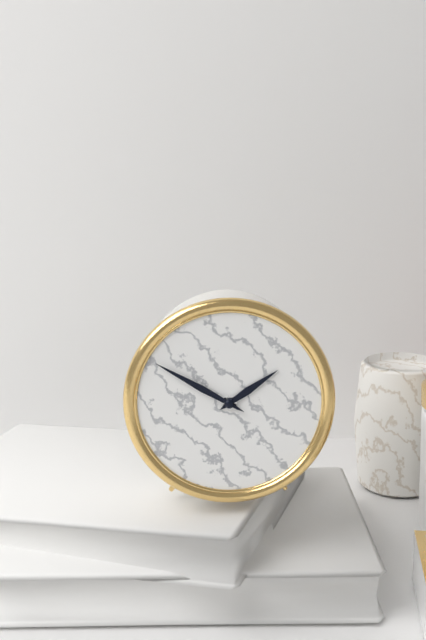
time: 1:50
